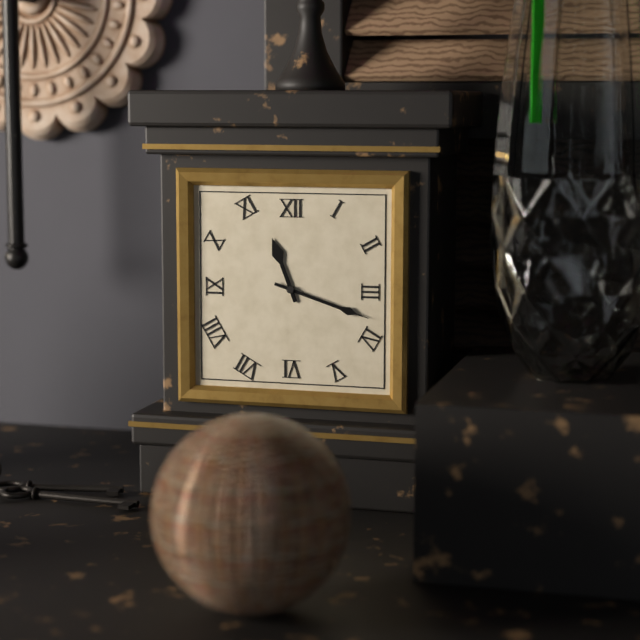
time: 11:18
